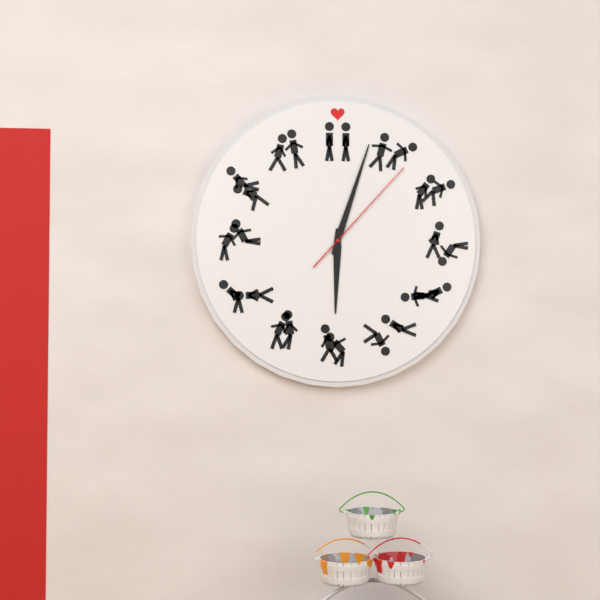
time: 6:03:07
